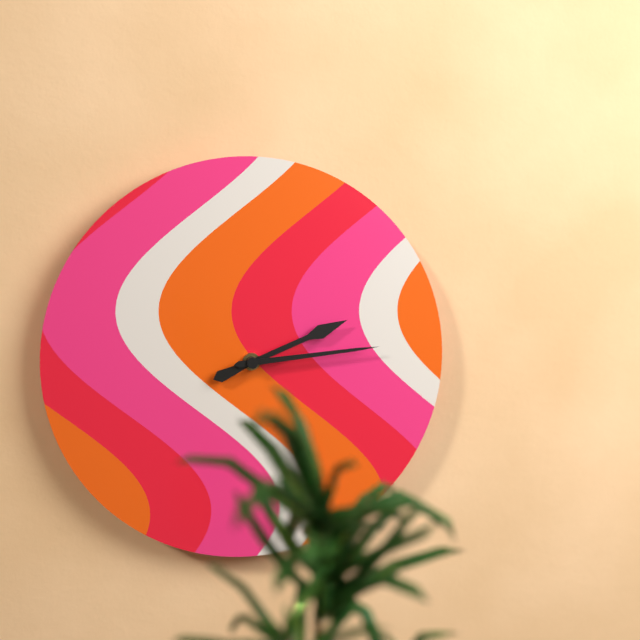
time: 2:14
